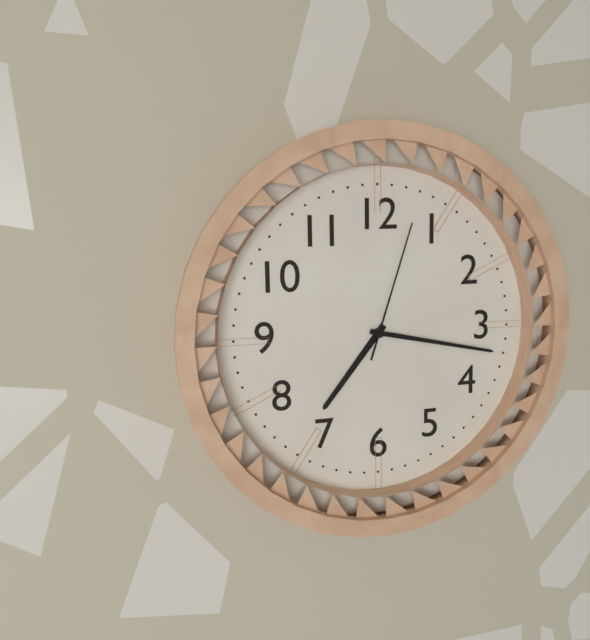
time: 7:17:03
